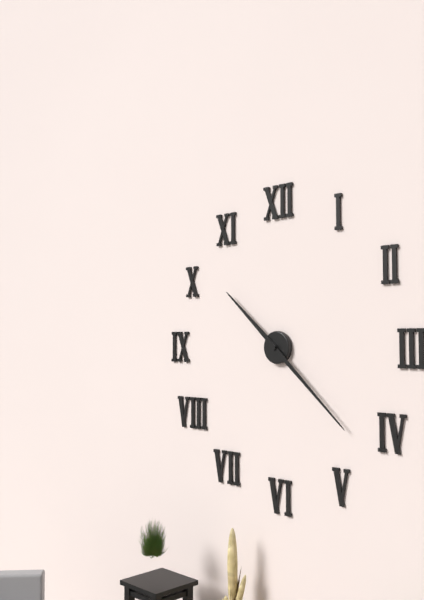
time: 10:22
